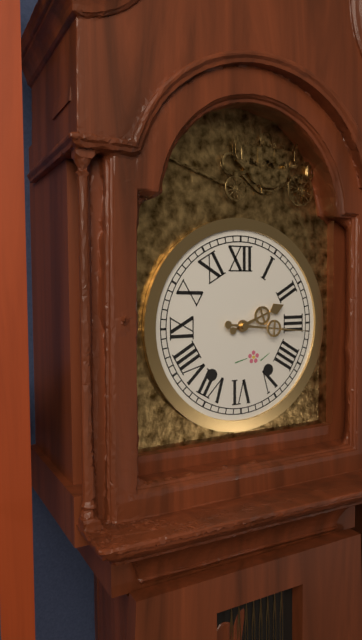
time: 2:16
